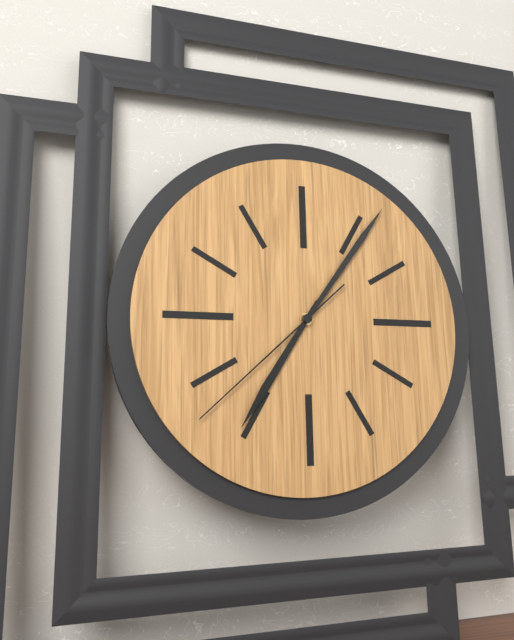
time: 7:06:38
